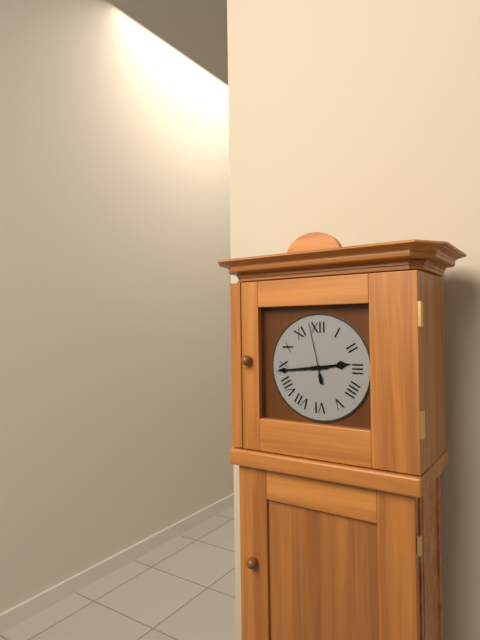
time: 2:44:58
